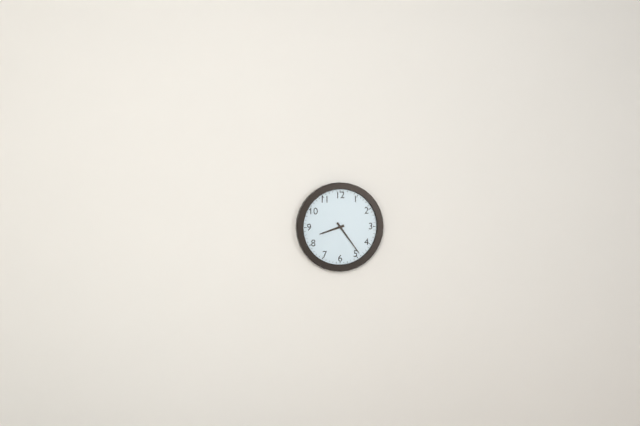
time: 8:24
